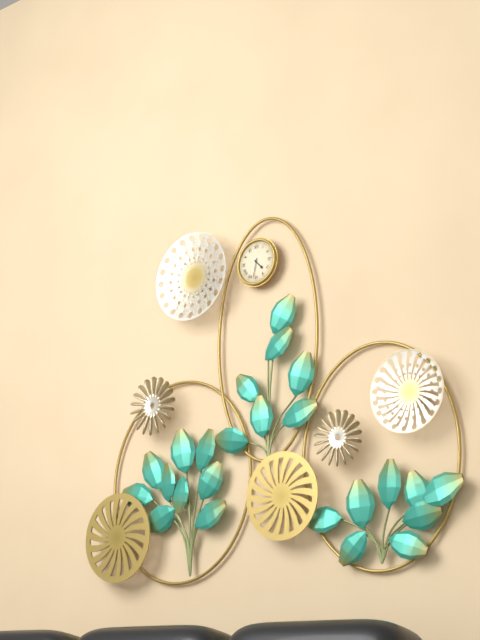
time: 4:32
